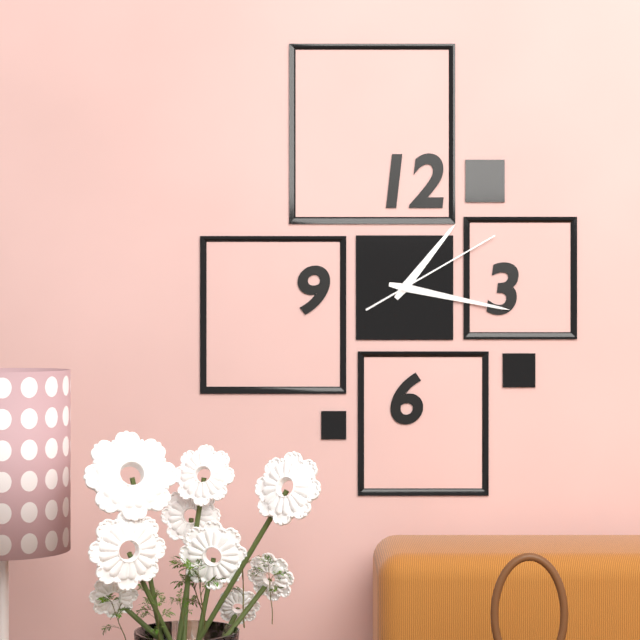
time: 1:17:10
